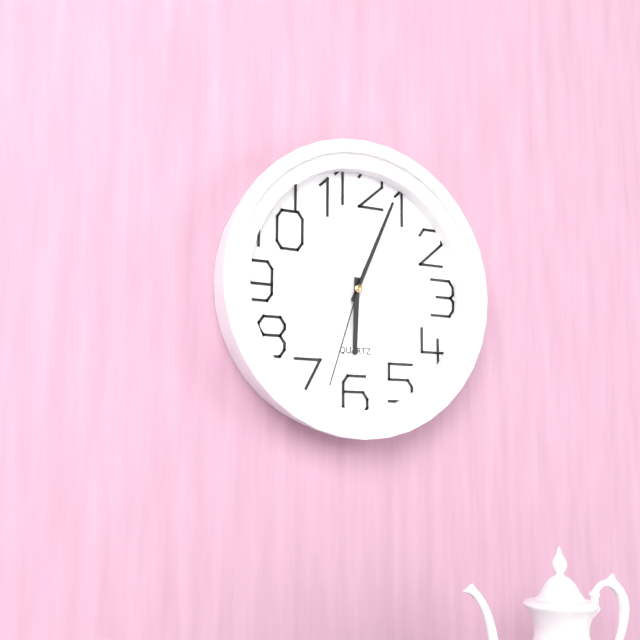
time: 6:04:33
